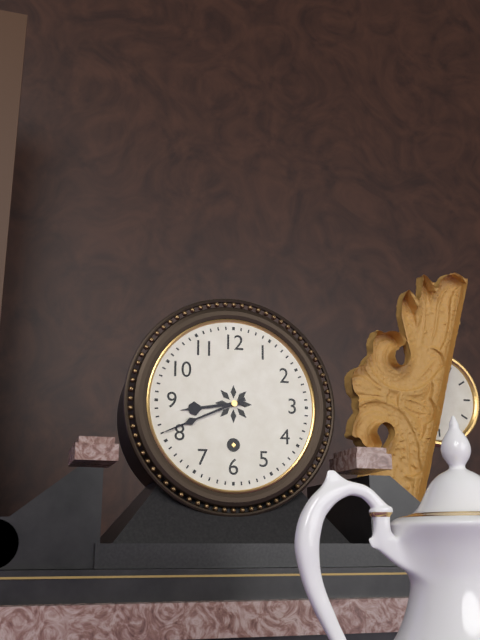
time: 8:41
